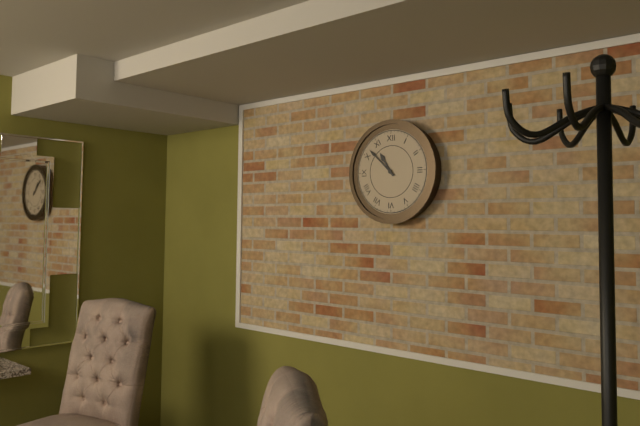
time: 10:52
